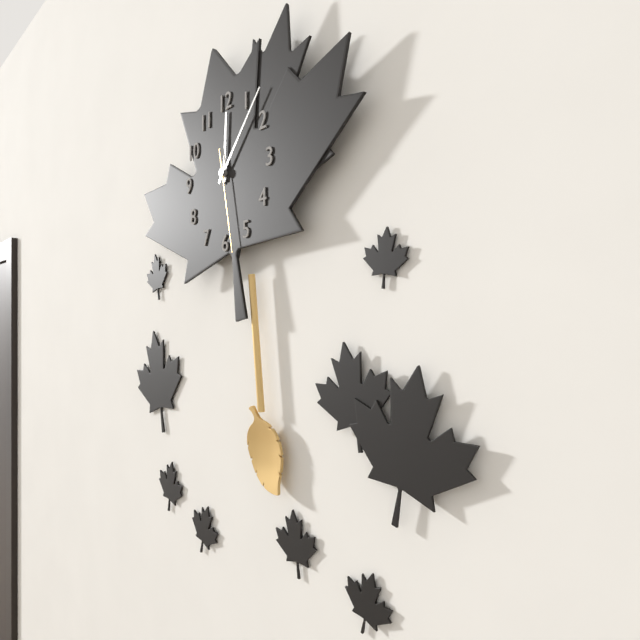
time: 12:07:28
